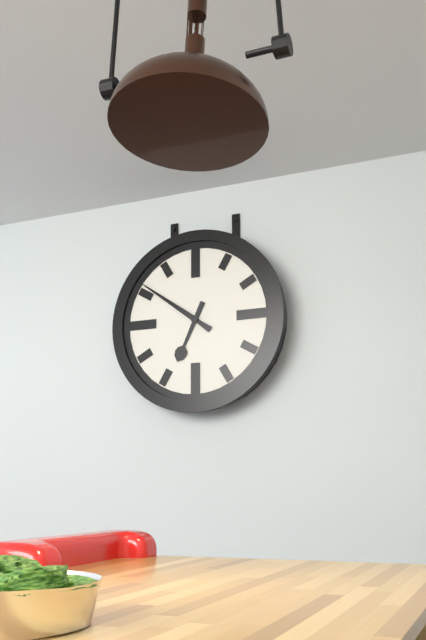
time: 6:51
